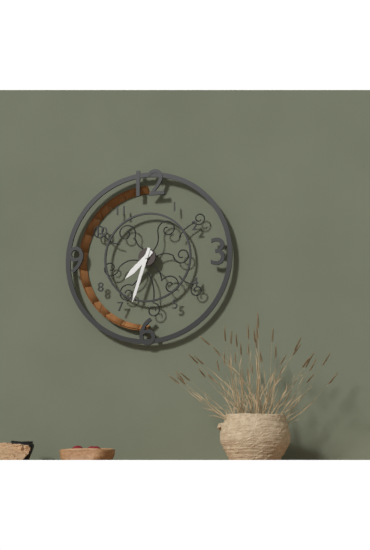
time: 7:33
